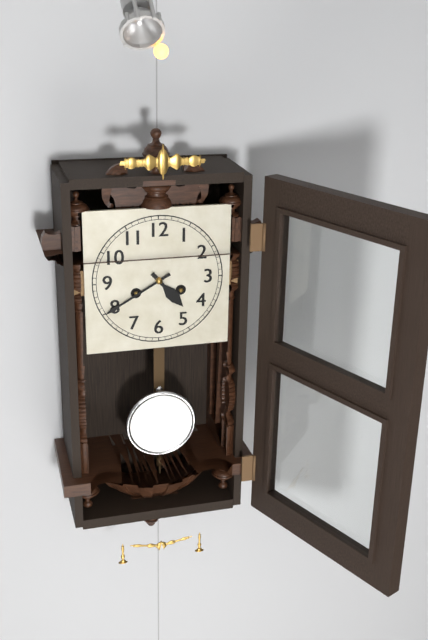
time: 4:40
